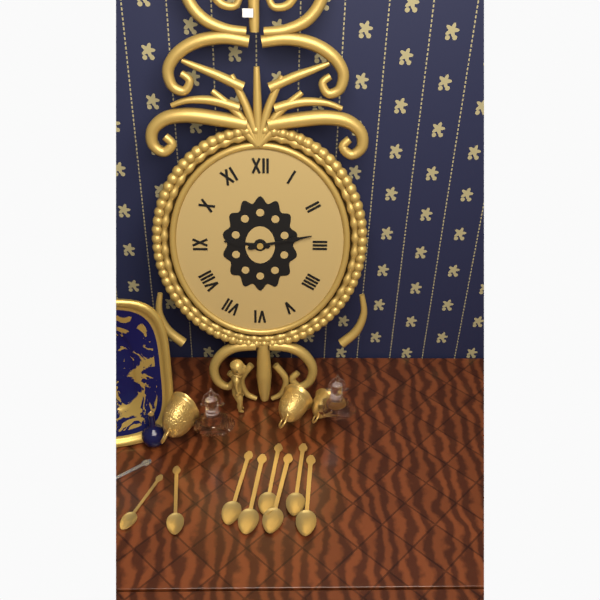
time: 9:13
